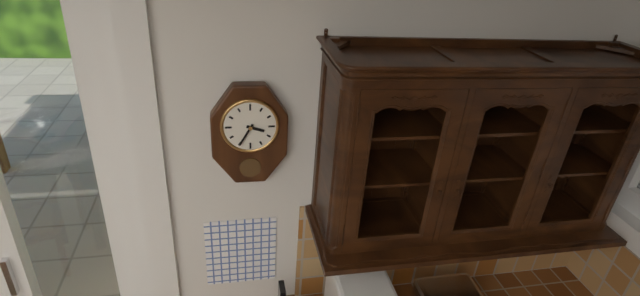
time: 3:35
